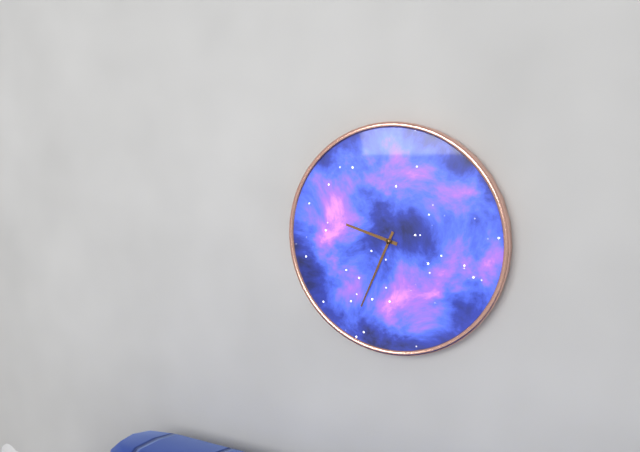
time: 9:34
